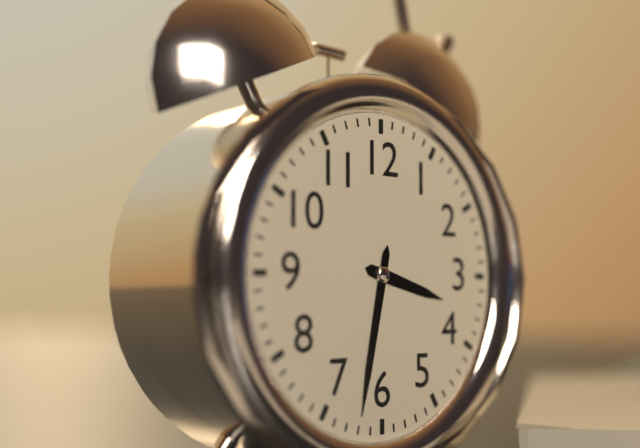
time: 3:32
